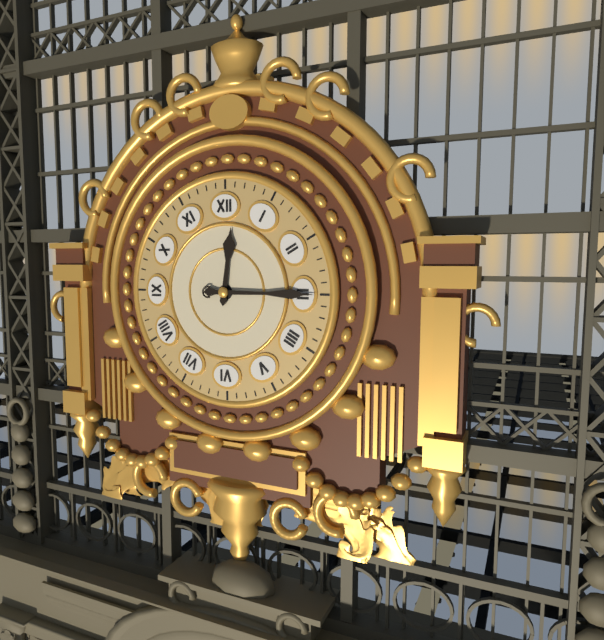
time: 12:15
